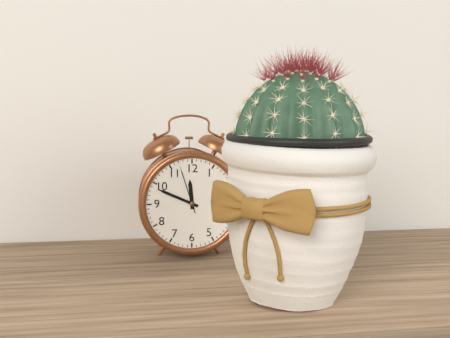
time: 11:49:57
